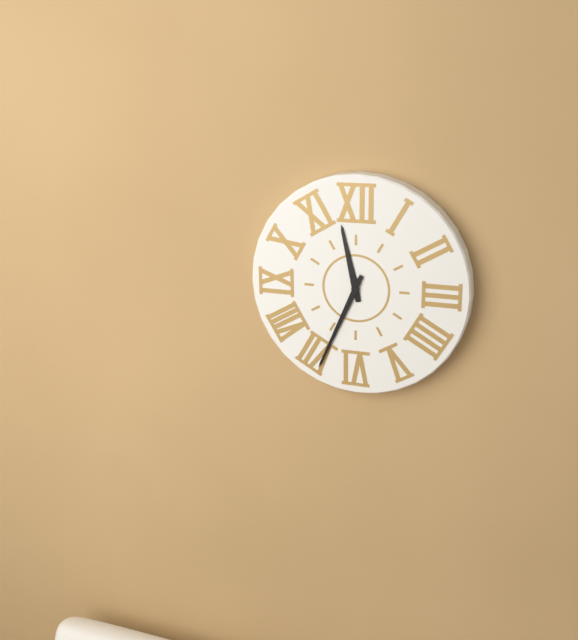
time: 11:34
